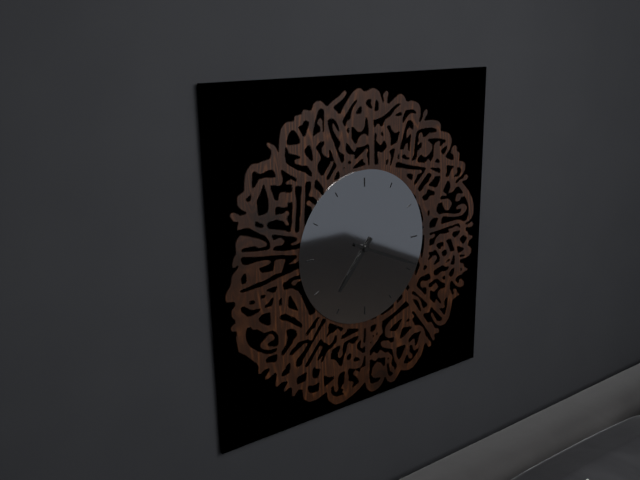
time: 7:19
